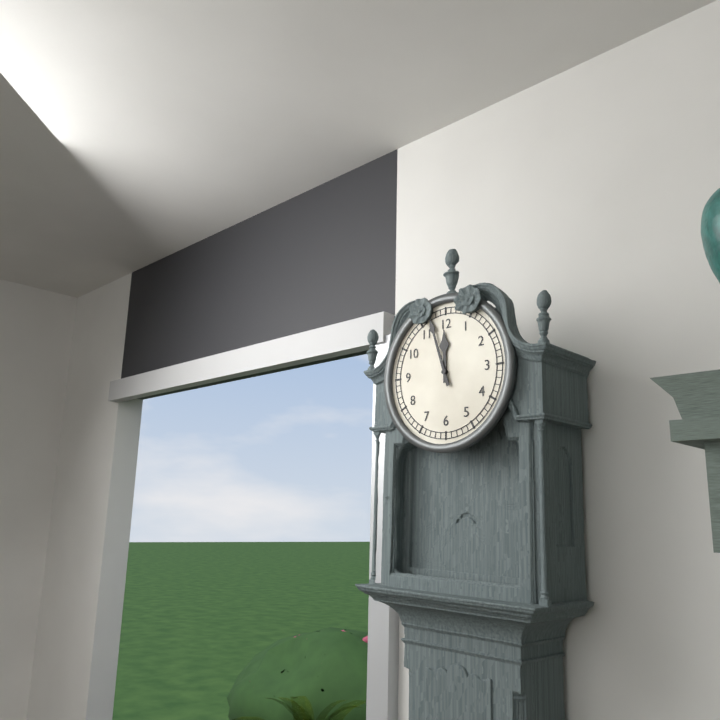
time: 11:57
